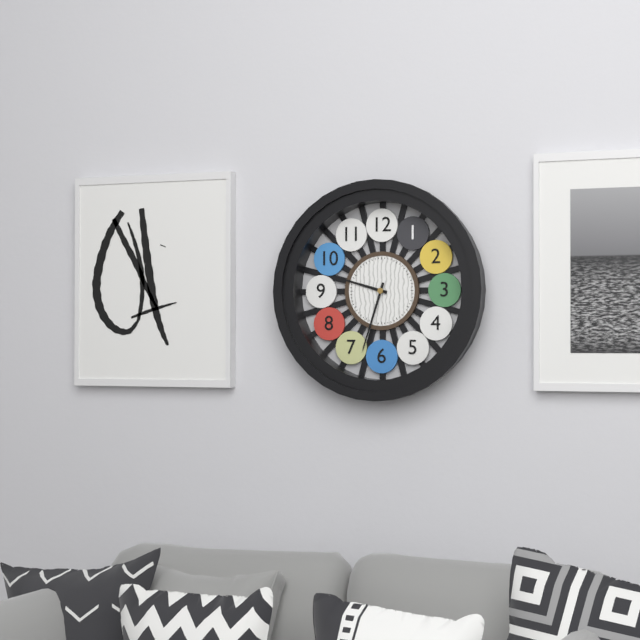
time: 9:33
